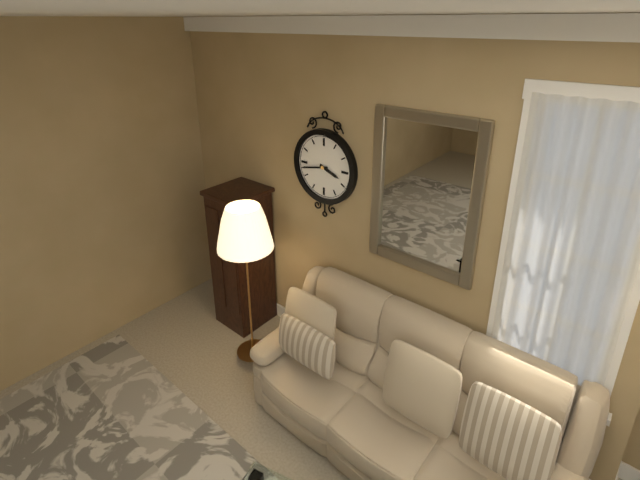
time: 3:43
